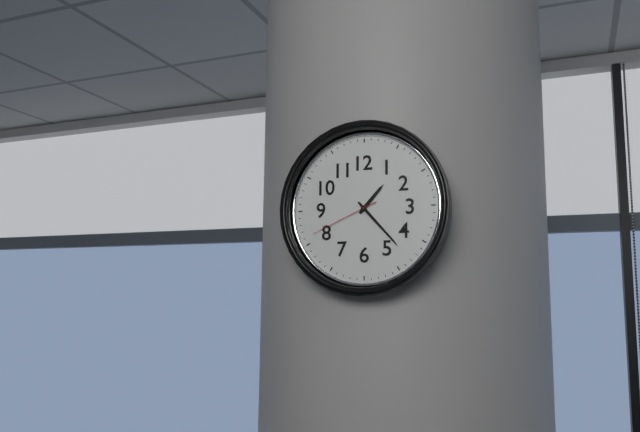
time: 1:23:41
